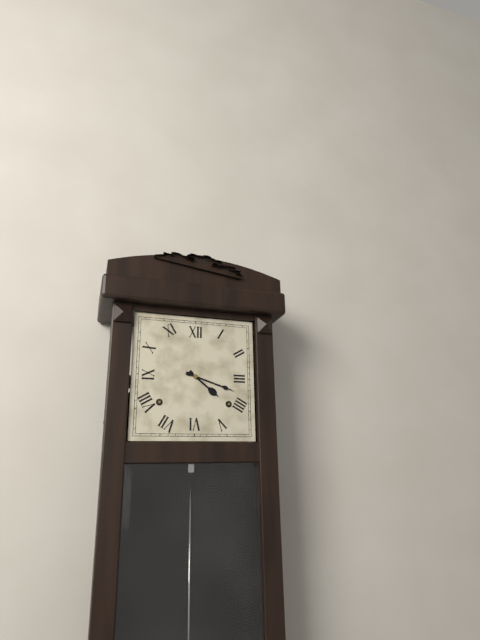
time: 4:18
